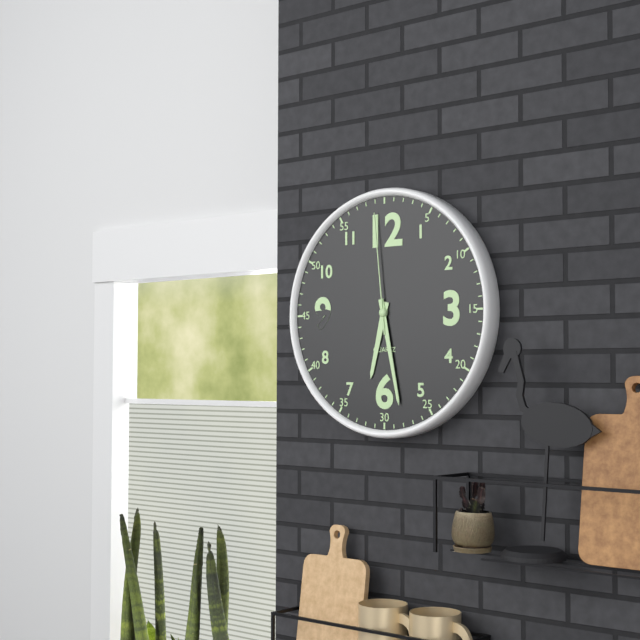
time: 6:28:59
